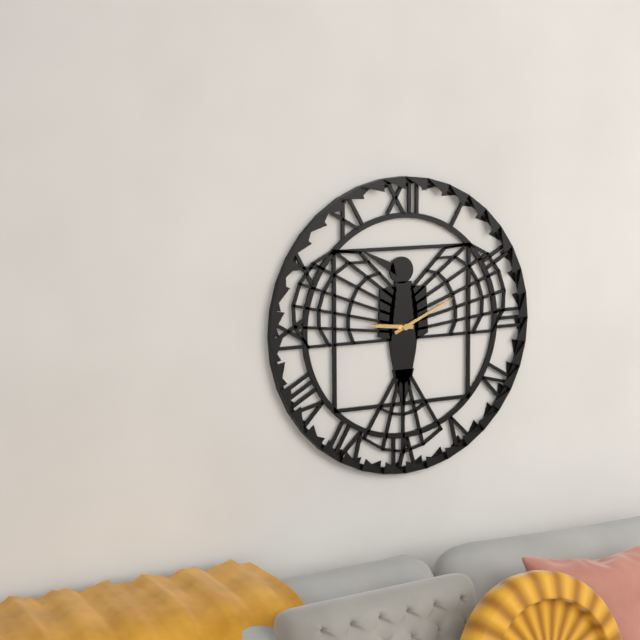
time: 9:11
